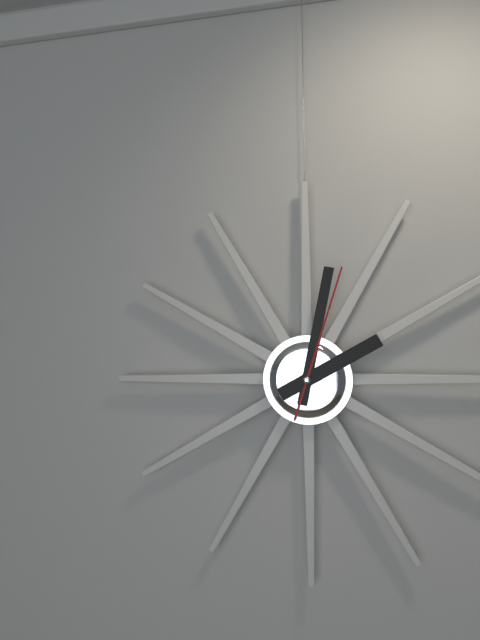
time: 2:02:03
